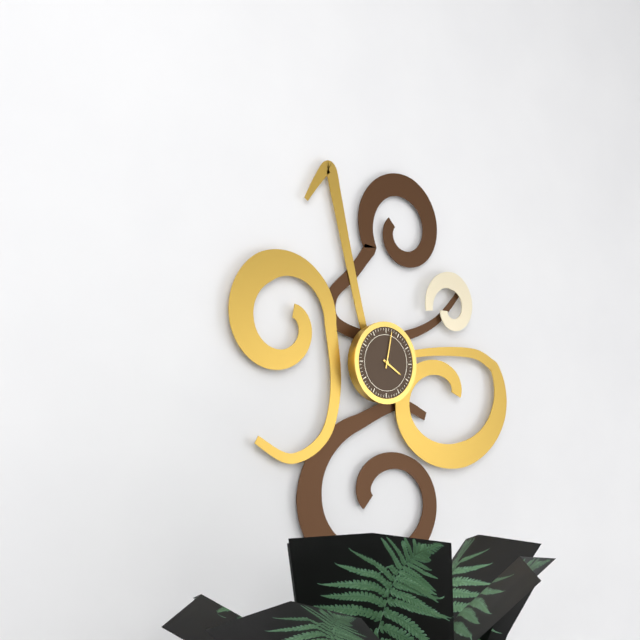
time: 4:02
